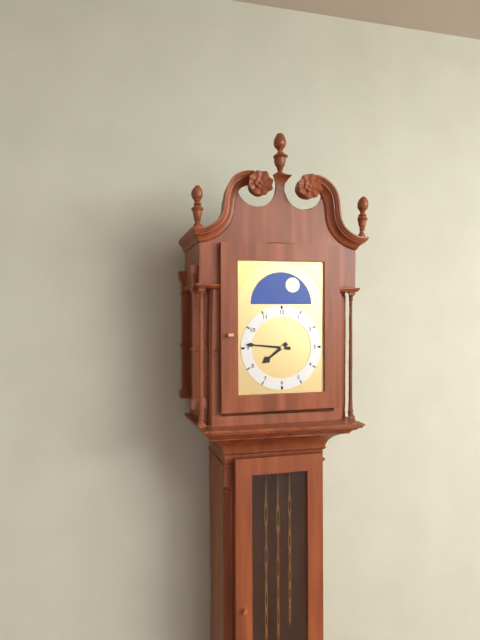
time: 7:46
